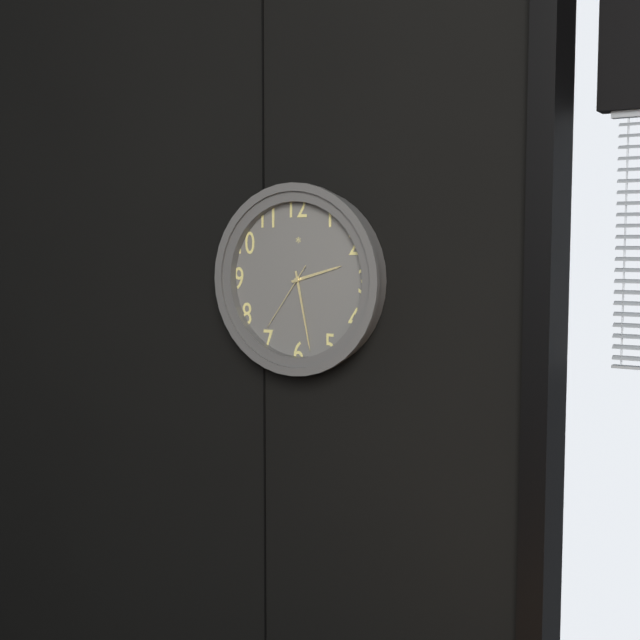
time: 2:28:36
